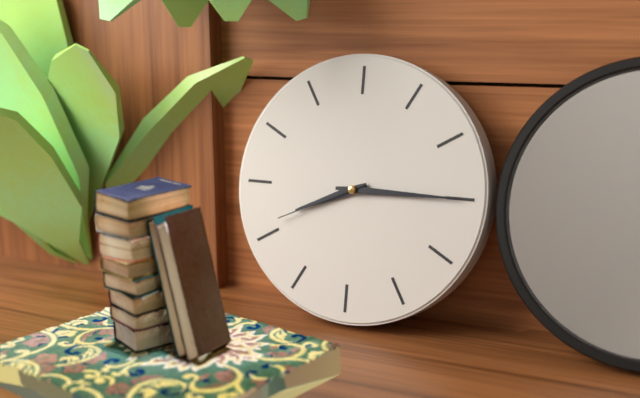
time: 8:15:41
